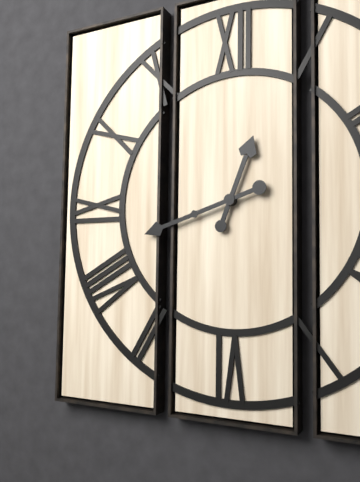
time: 12:42
